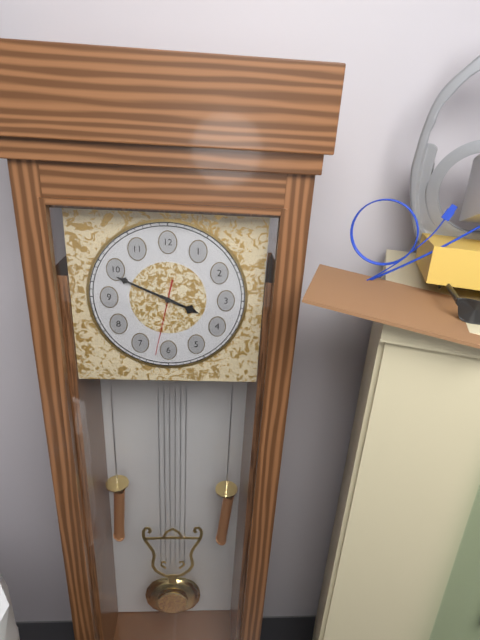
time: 3:49:32
